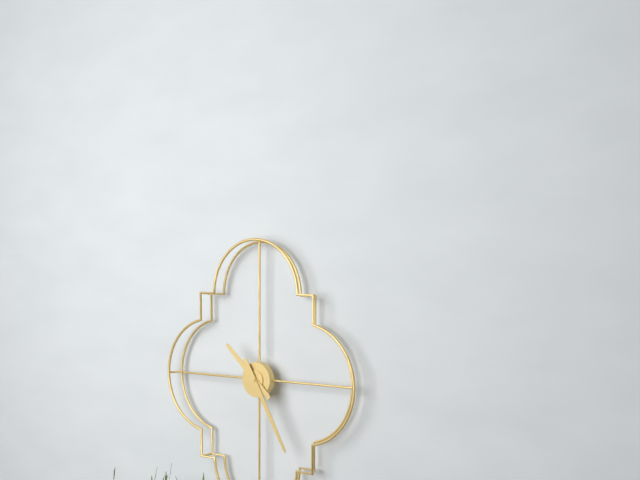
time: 10:25
